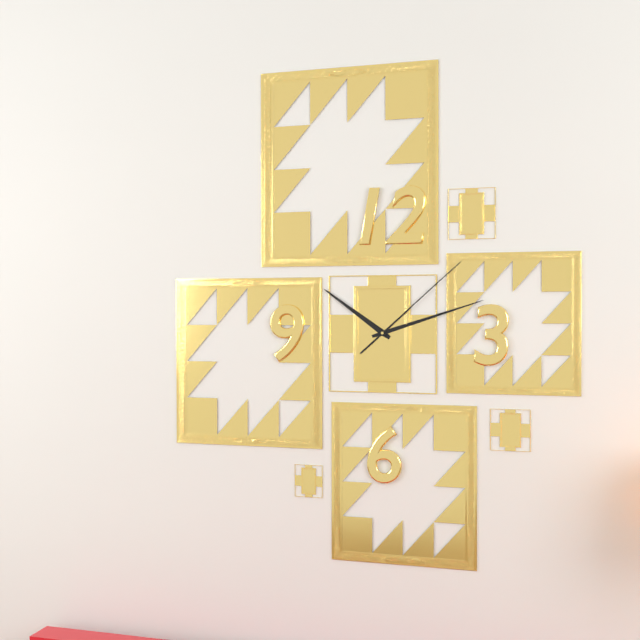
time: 10:12:08
